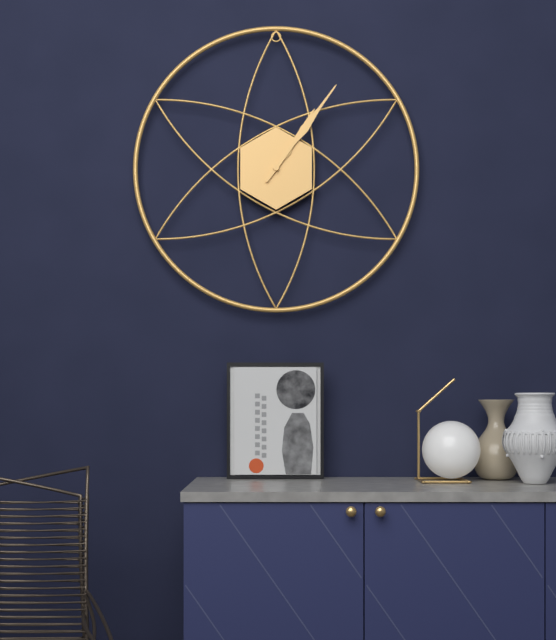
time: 1:06
